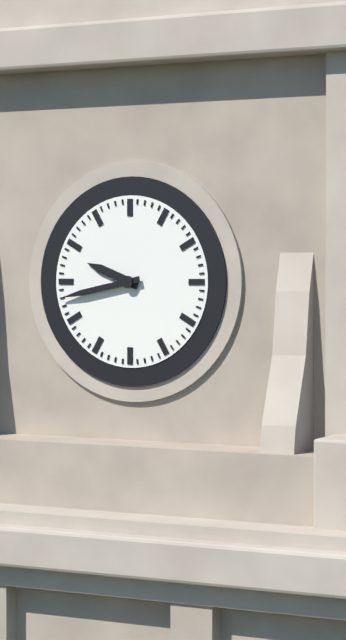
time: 9:43
